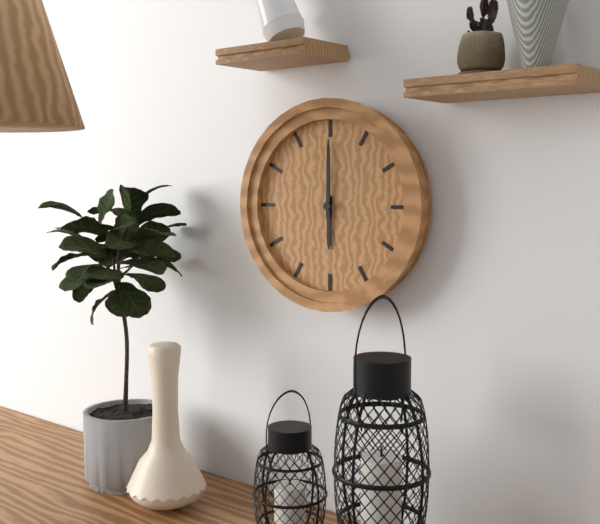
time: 6:00
